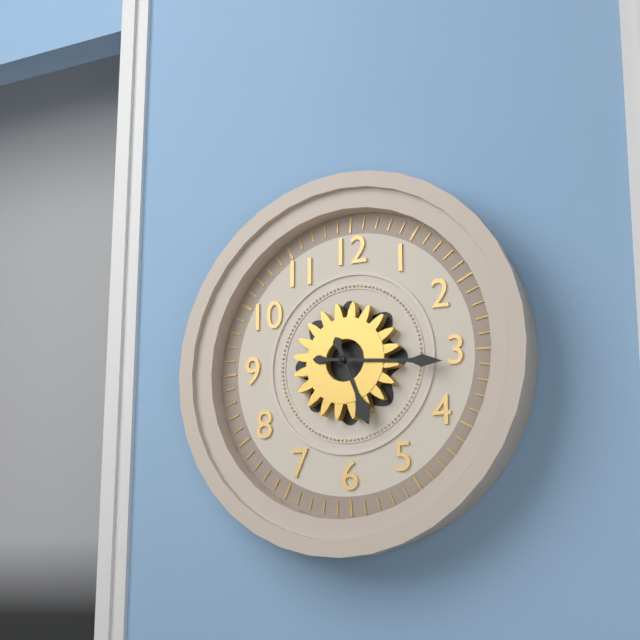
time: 5:16
